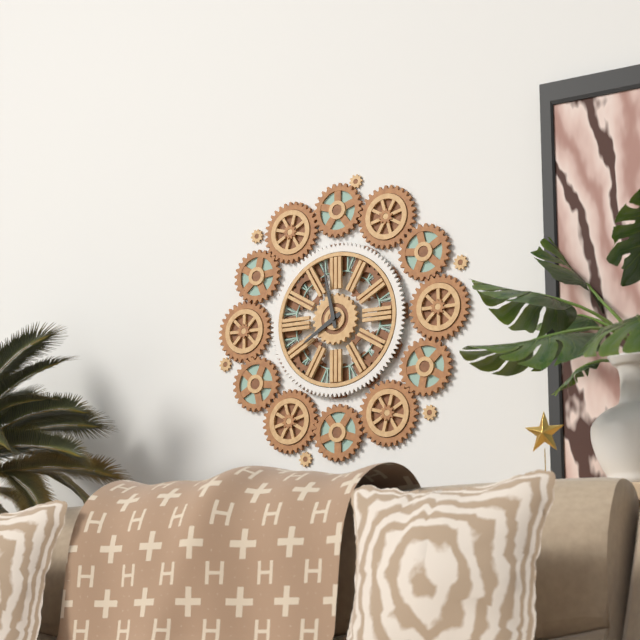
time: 7:58
